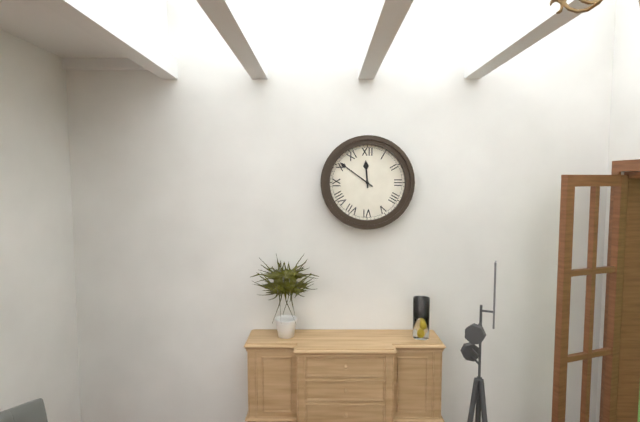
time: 11:51
